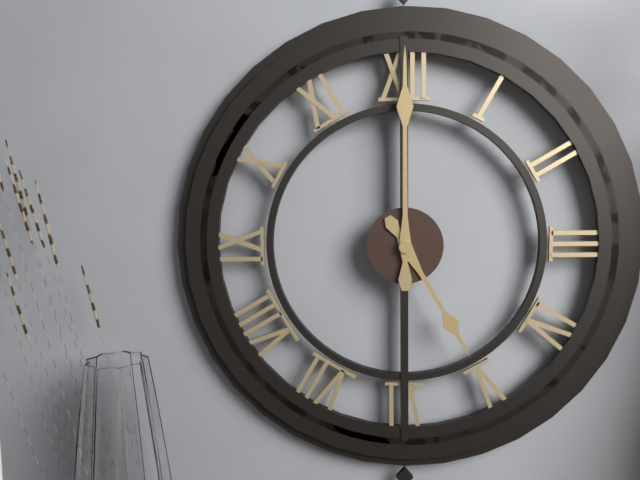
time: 5:00
